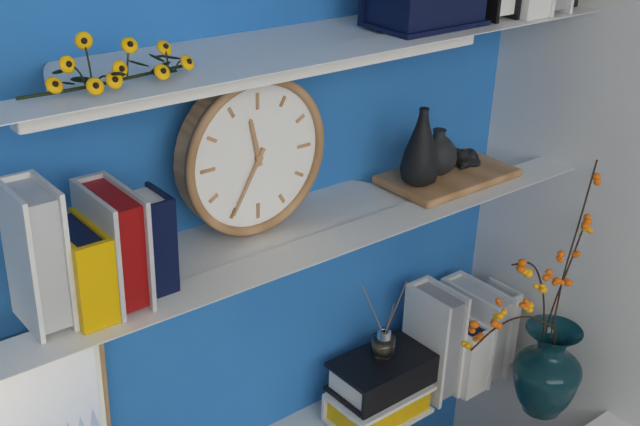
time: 11:35
